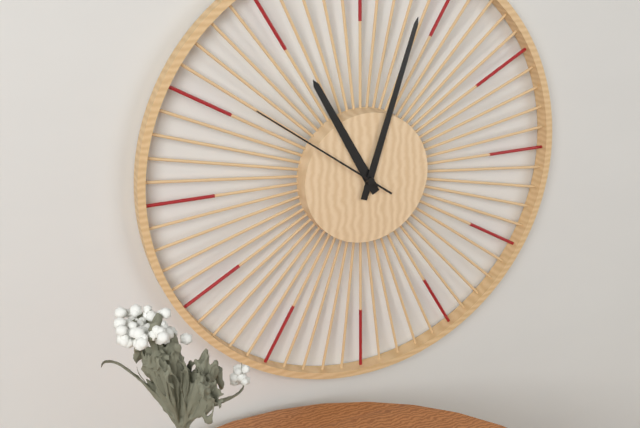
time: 11:03:51
